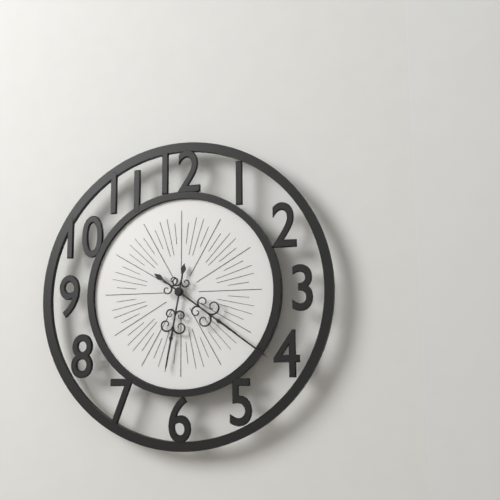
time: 6:21
